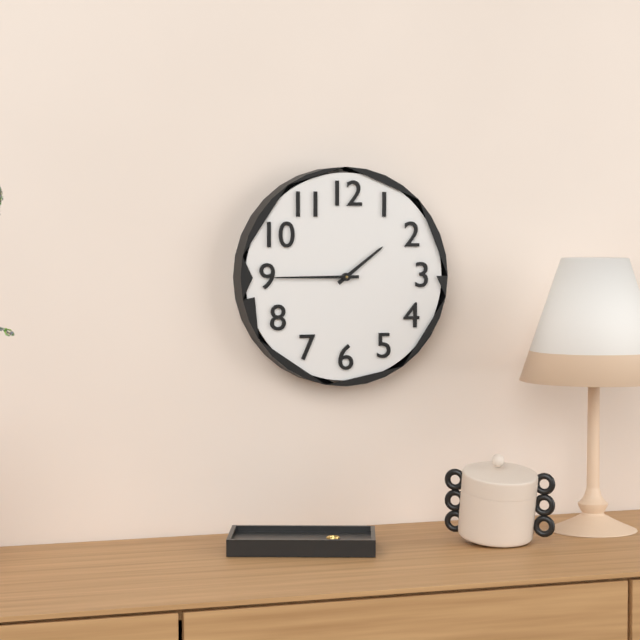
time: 1:45
